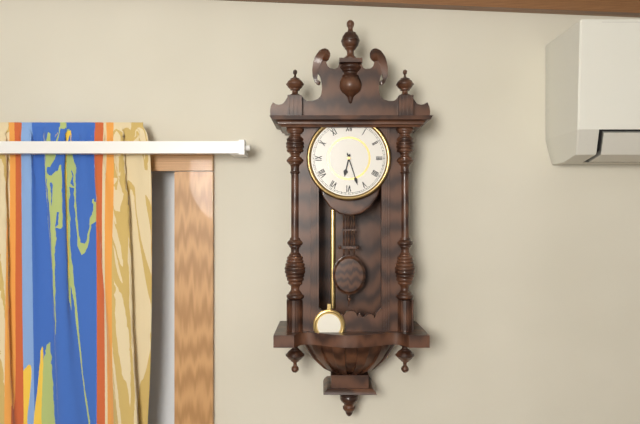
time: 6:27
